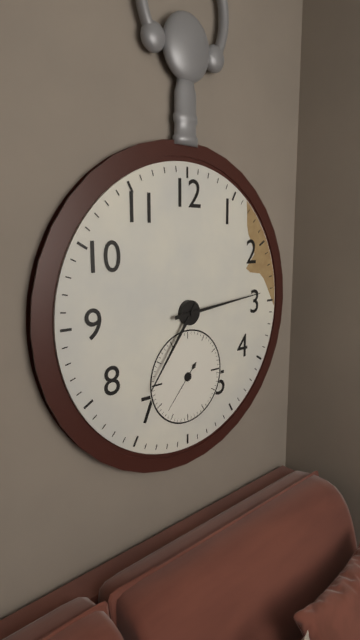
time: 7:14
